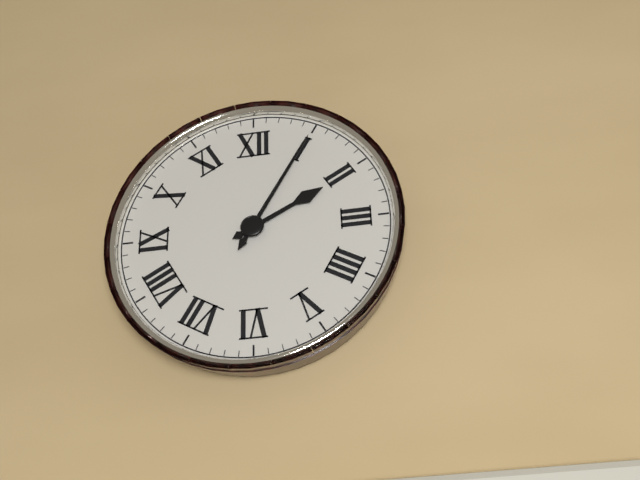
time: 2:05
